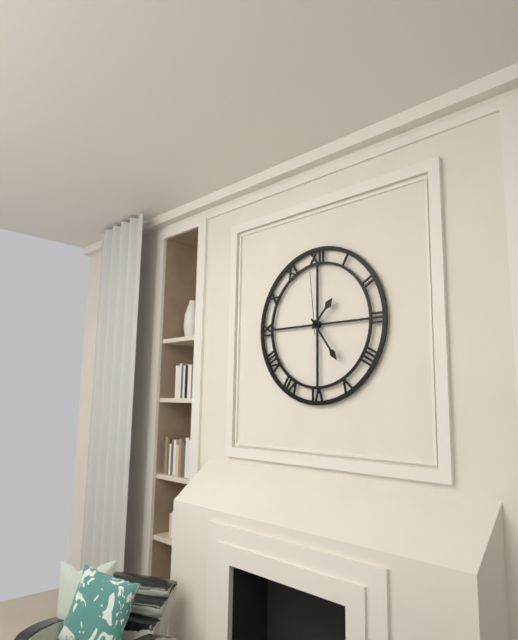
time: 1:24:59
